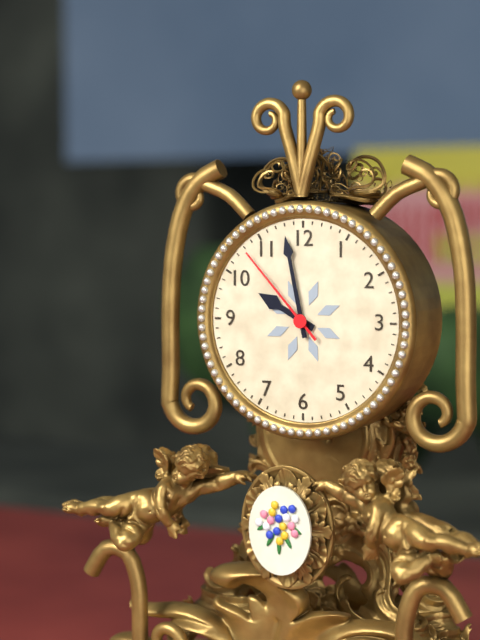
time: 9:58:53
